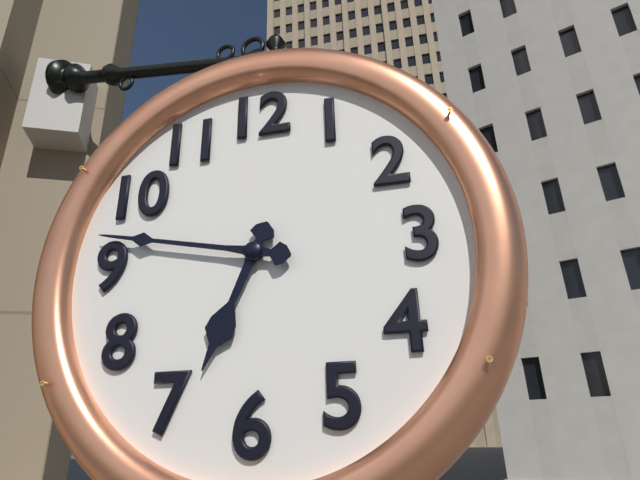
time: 6:47
